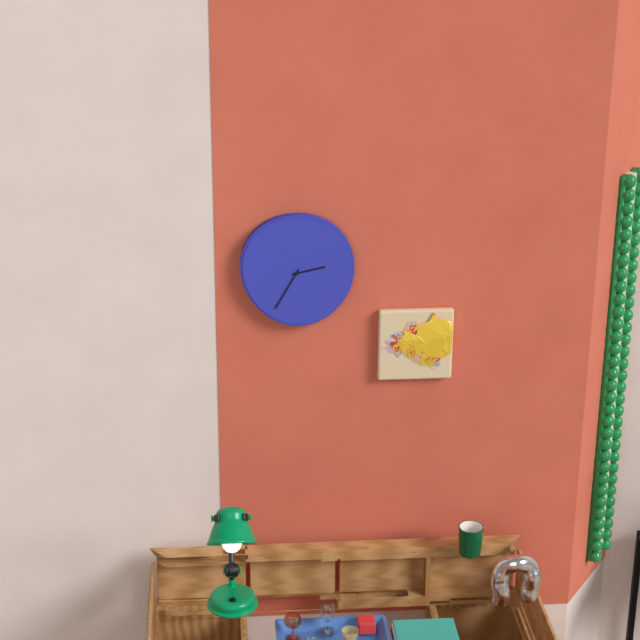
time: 2:35
